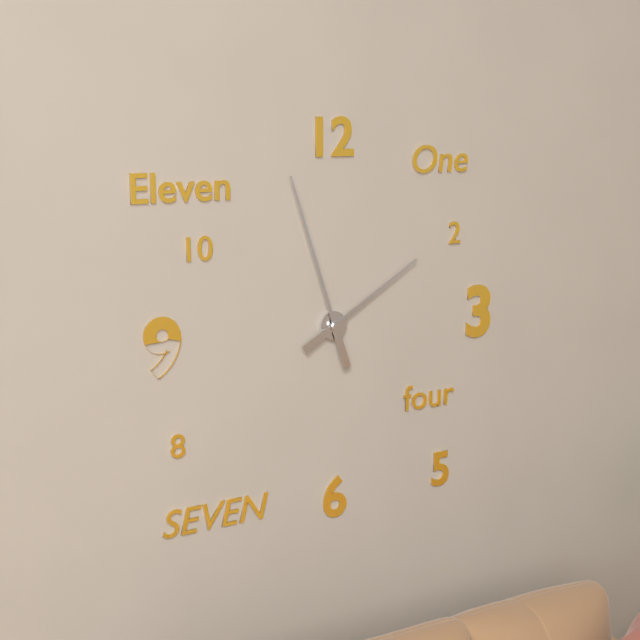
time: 1:57
